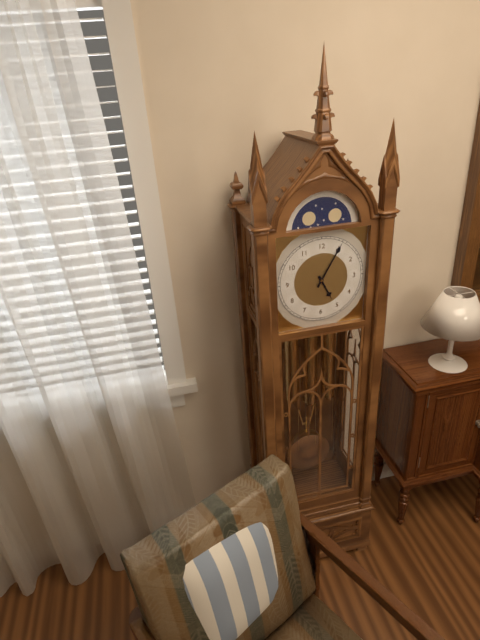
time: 5:05
